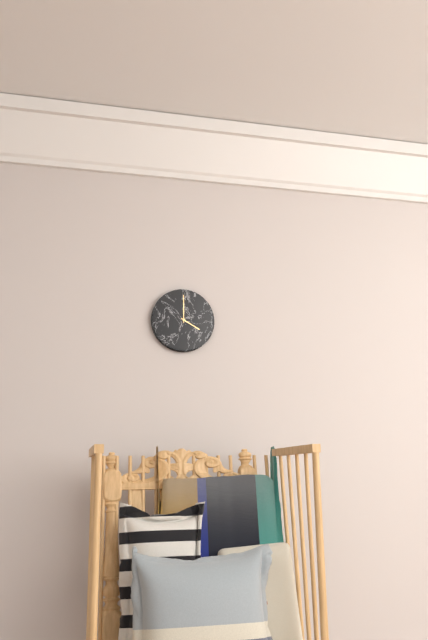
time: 4:00
